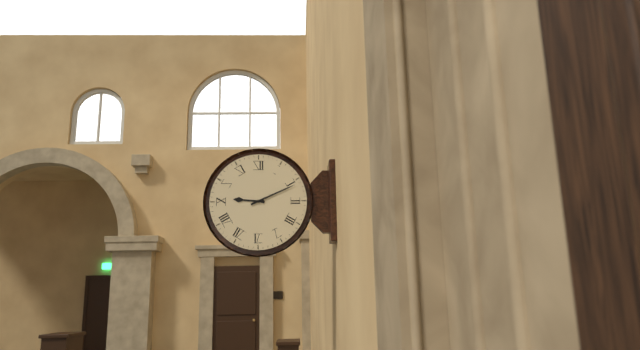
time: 9:11
